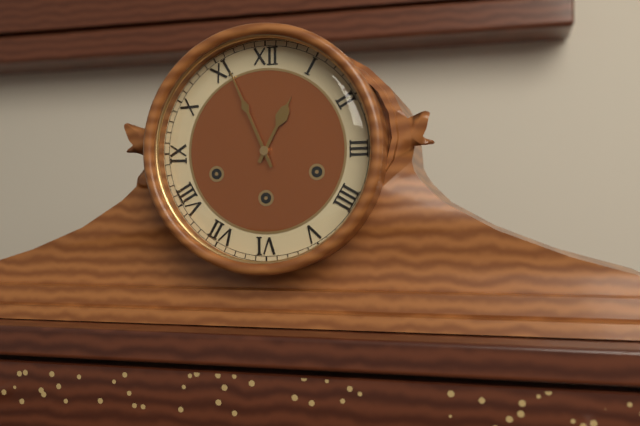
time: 12:56
